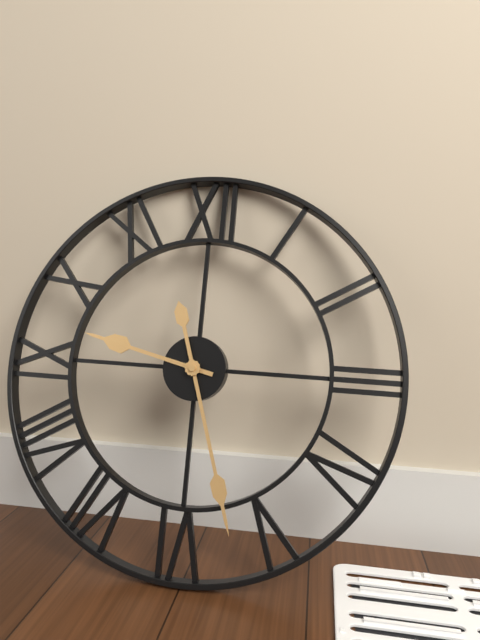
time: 9:27
